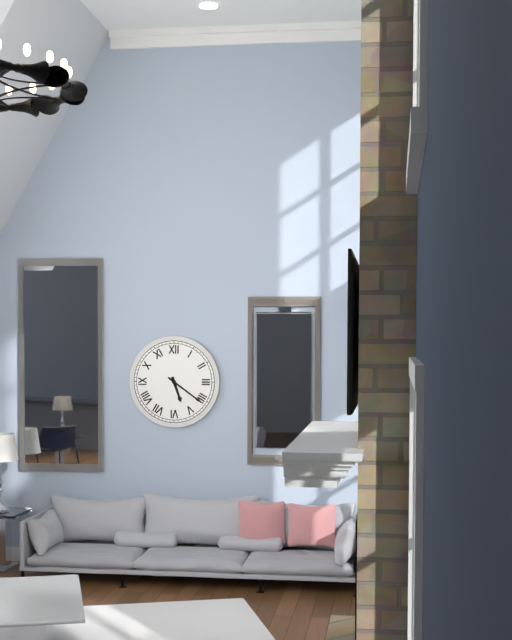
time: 5:21
